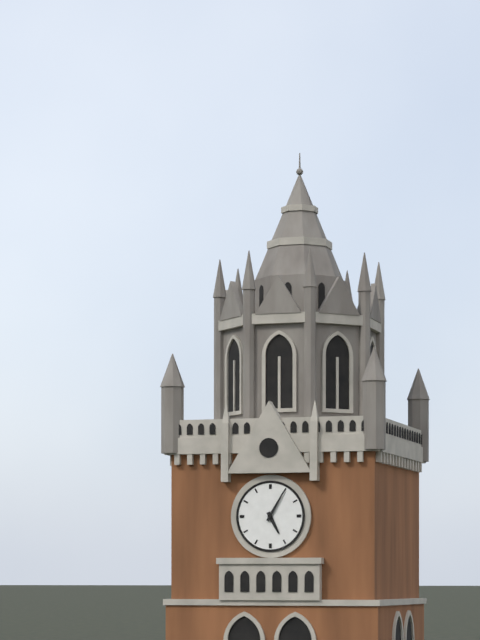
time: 5:05
